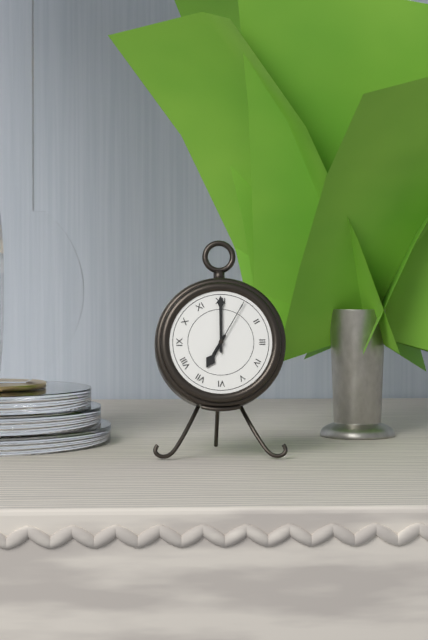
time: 7:00:05
